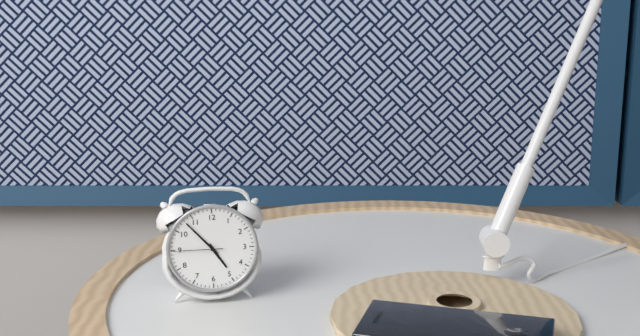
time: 4:53:45
